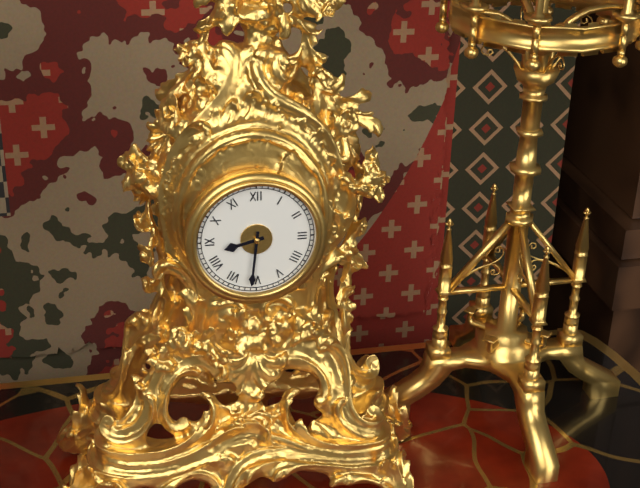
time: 8:31
